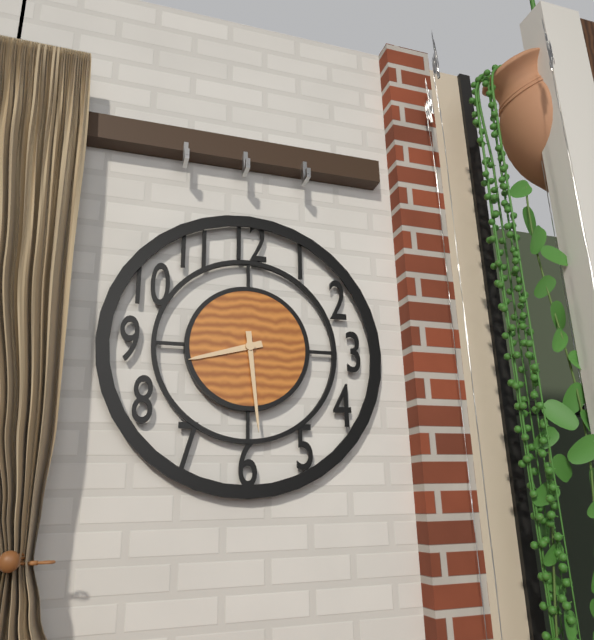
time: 8:29
